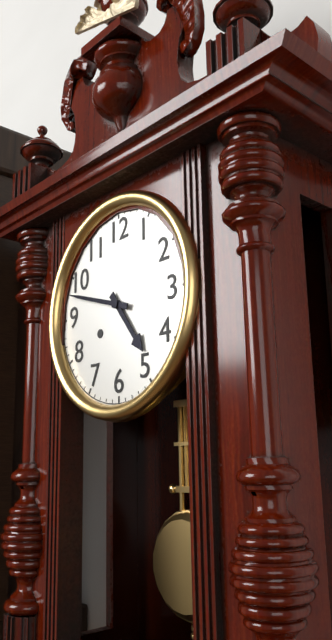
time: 4:48
